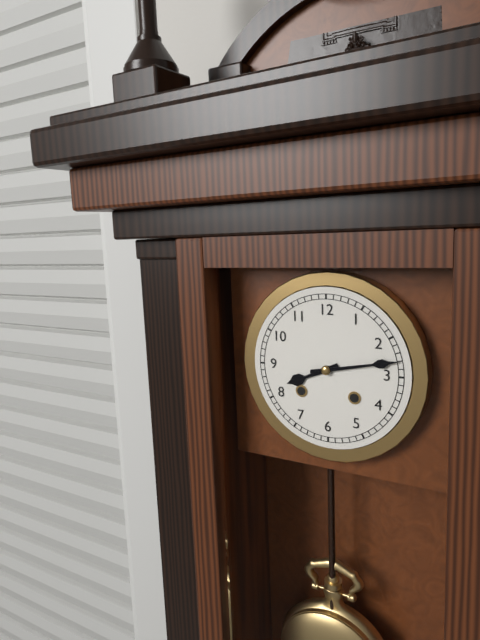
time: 8:13
